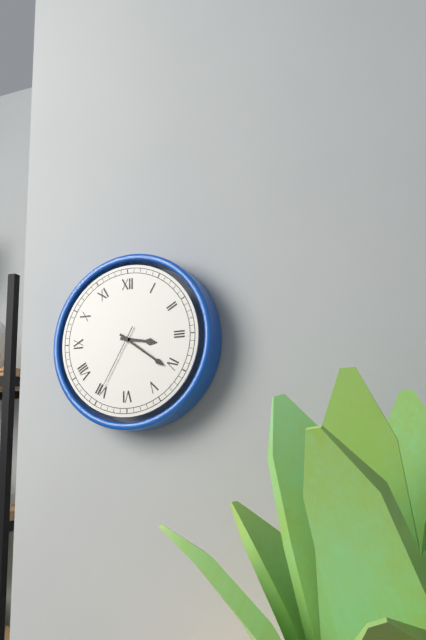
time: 3:21:35
